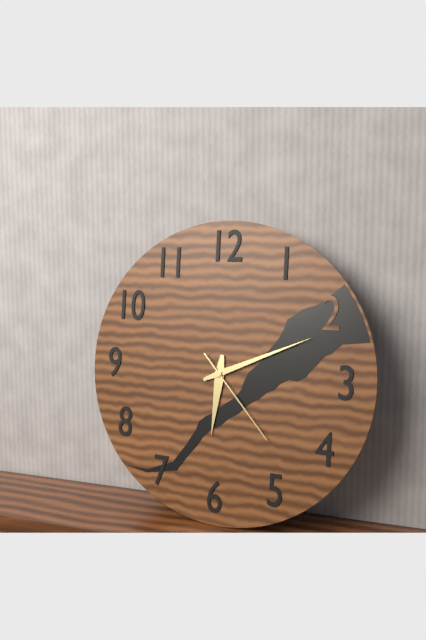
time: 6:11:23
